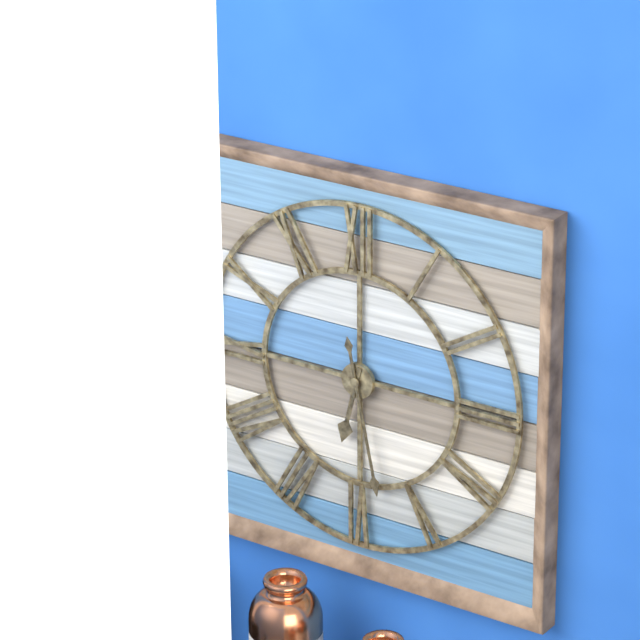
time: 6:28
